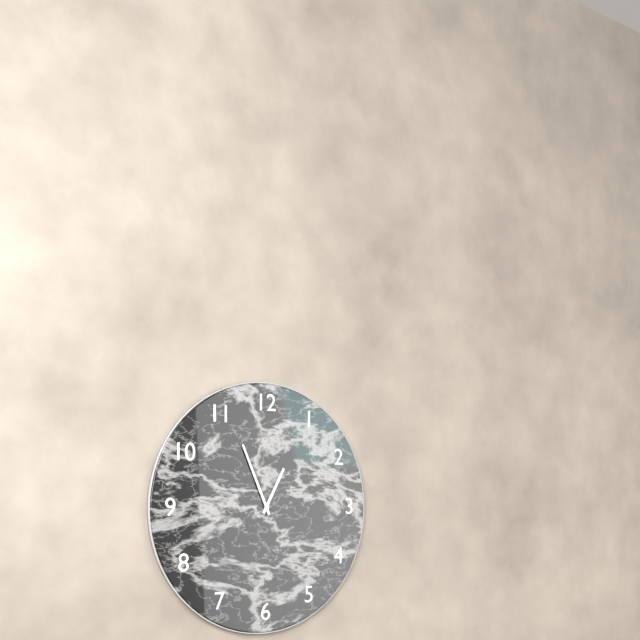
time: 12:56
